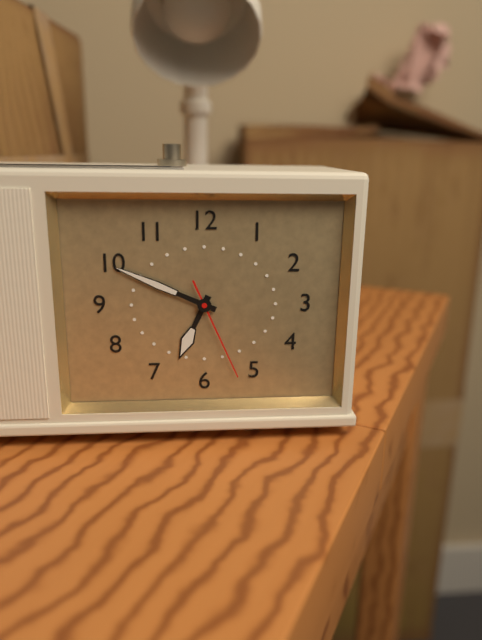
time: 6:49:26
